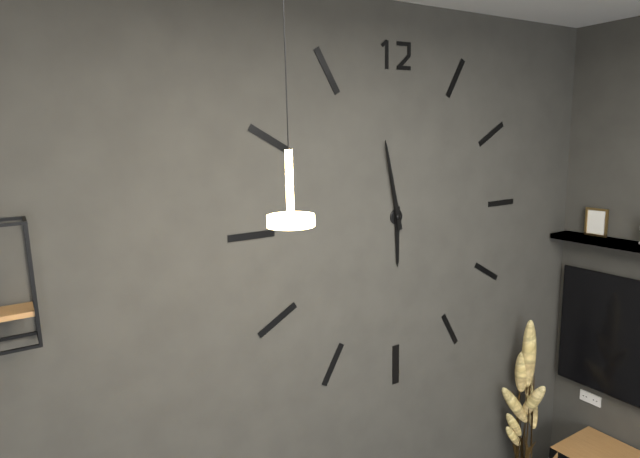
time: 5:58
